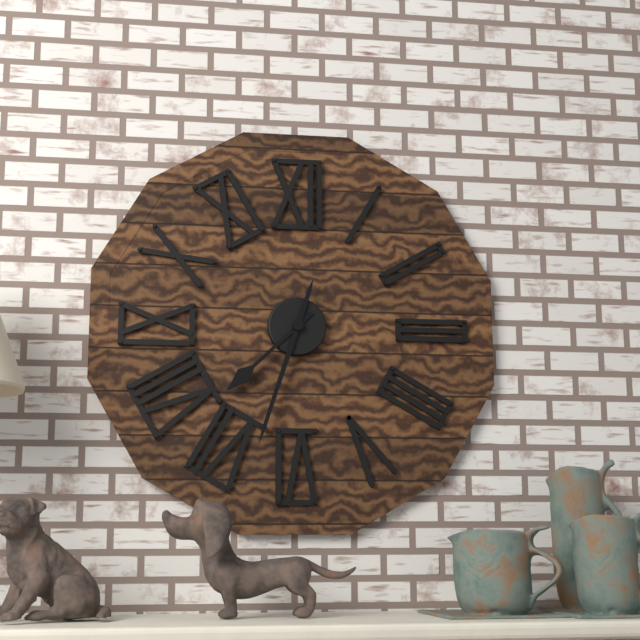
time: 7:33
